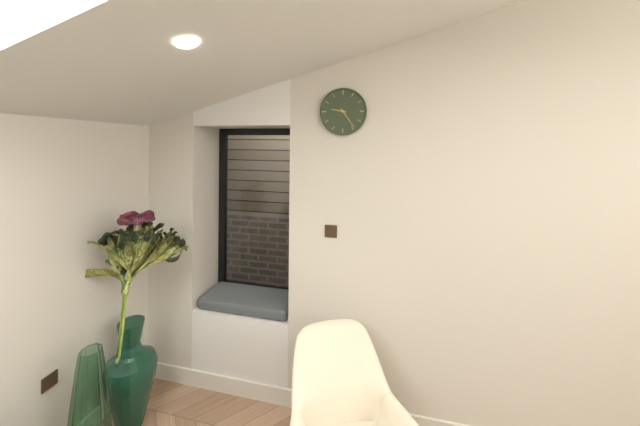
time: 9:24
